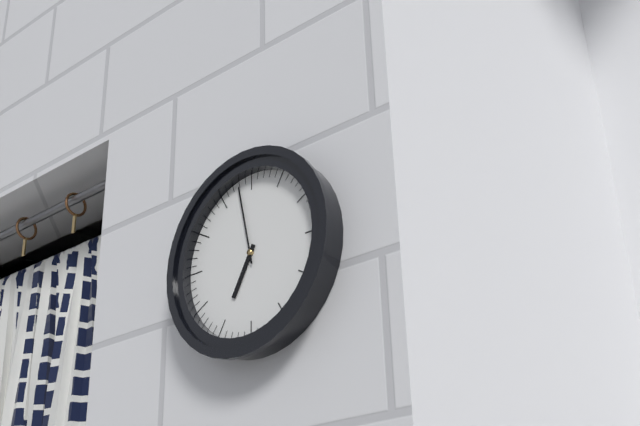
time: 6:58
